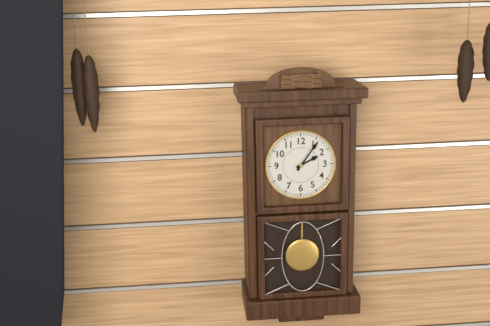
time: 2:06
